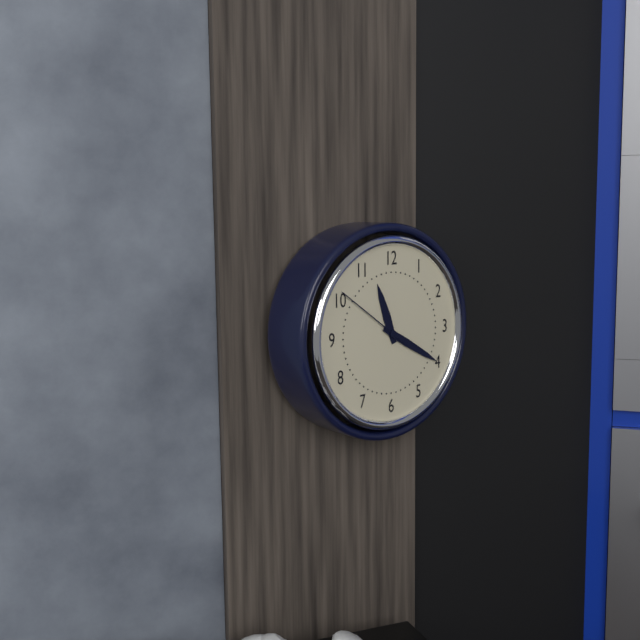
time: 11:20:51
